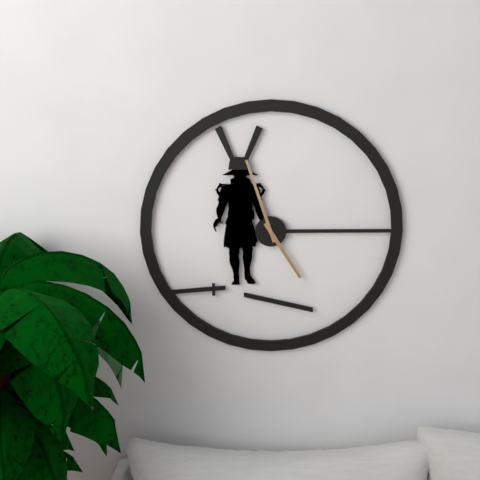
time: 4:57
